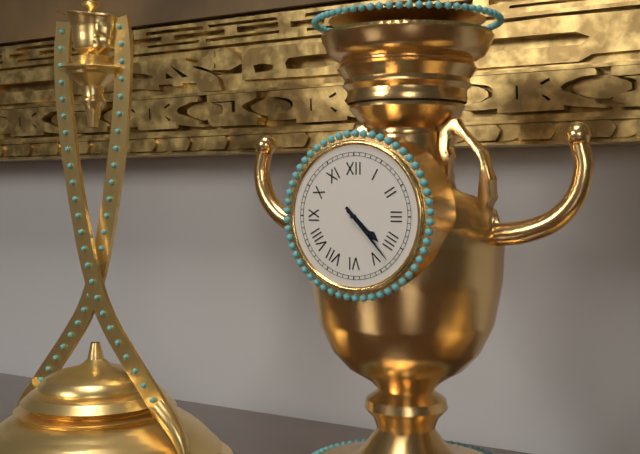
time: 4:23
